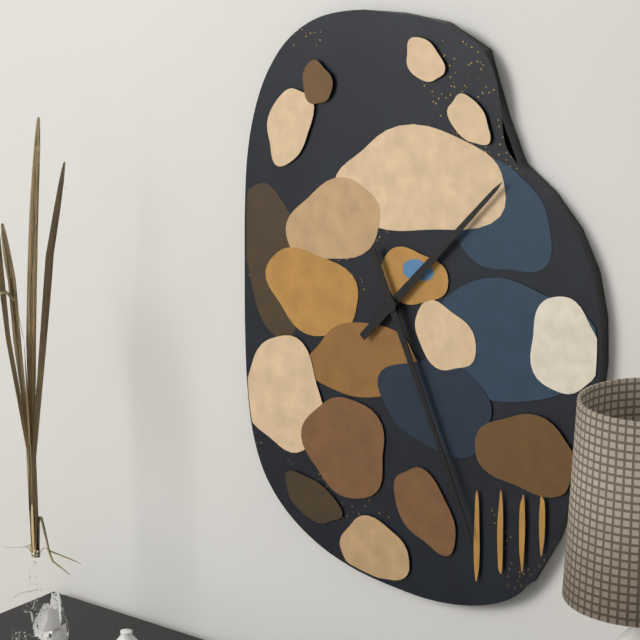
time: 1:26
